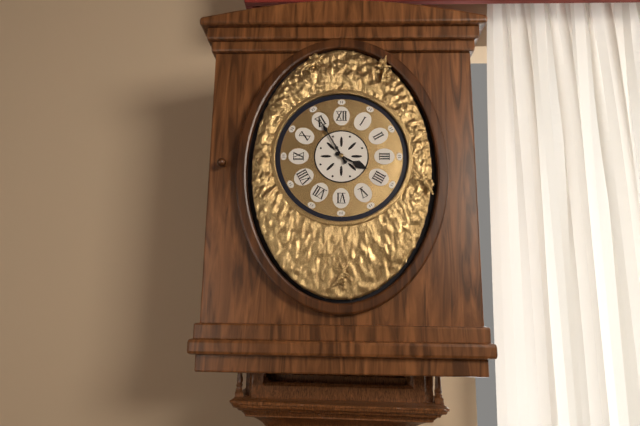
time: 3:55
